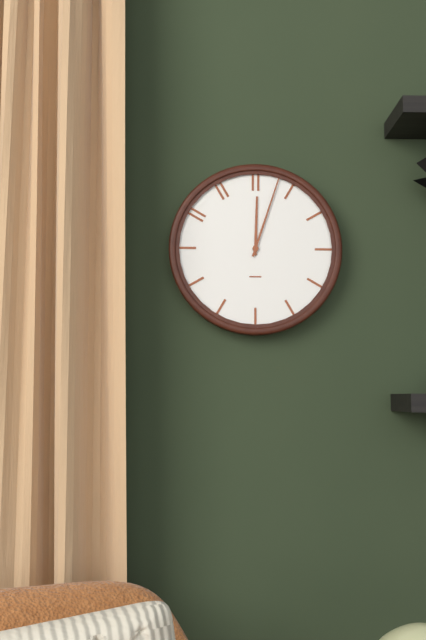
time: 12:03
